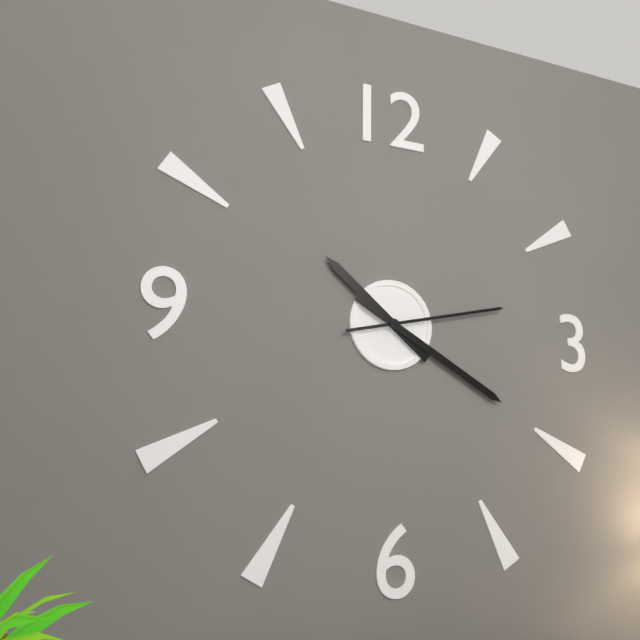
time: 10:20:13
